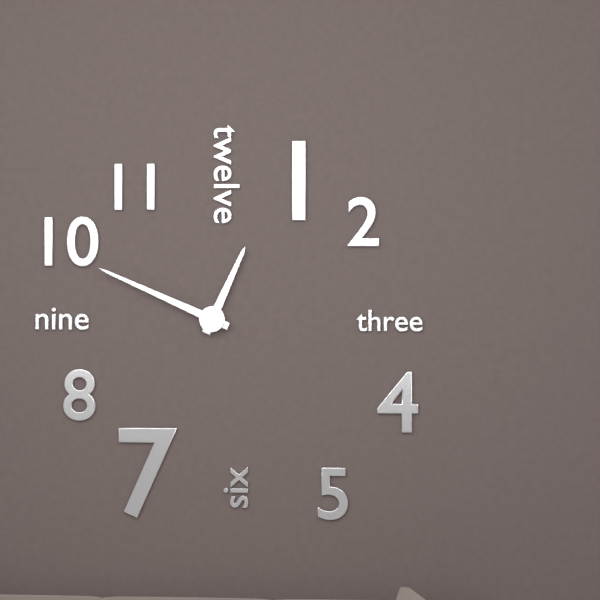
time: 12:49
